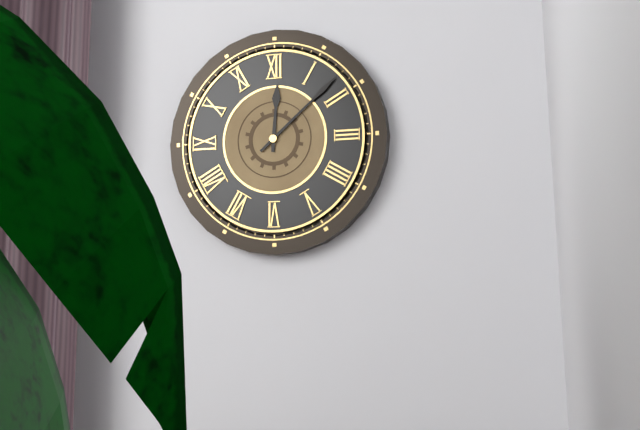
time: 12:08
